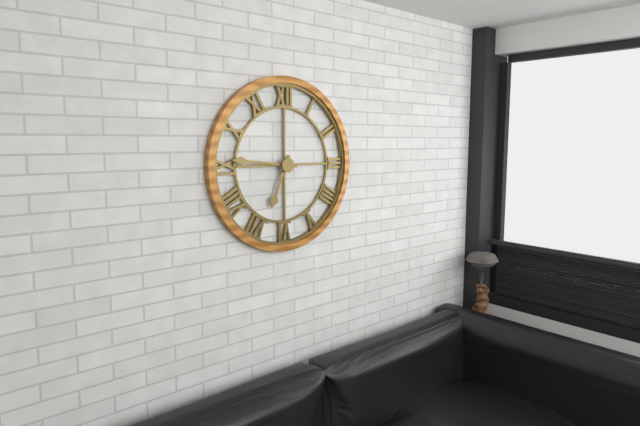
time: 6:46
